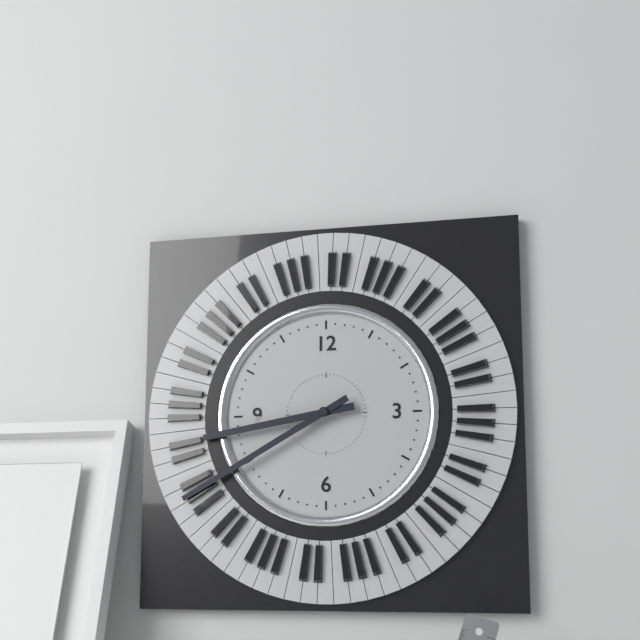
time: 8:40
